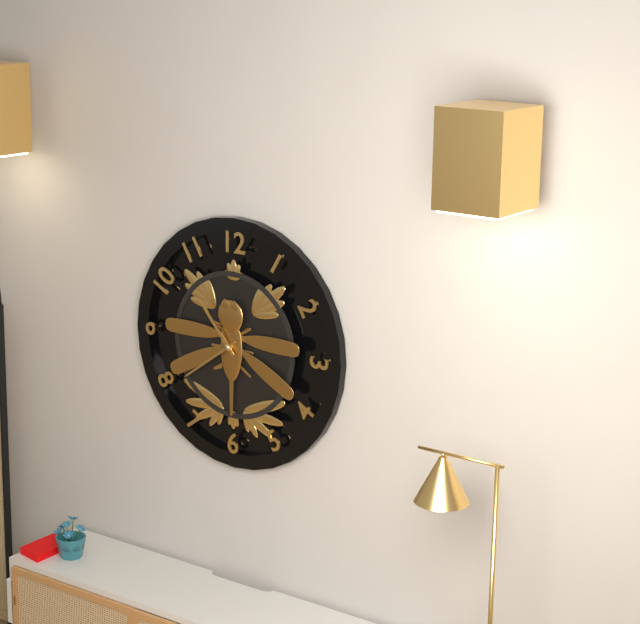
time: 10:39
